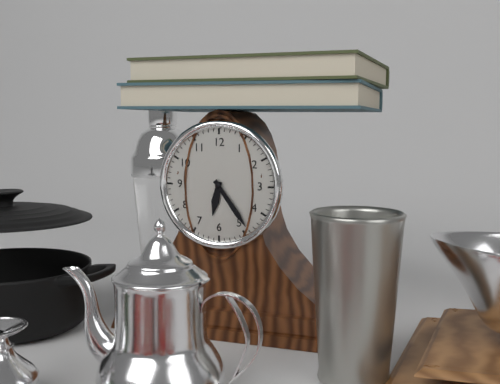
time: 6:24
